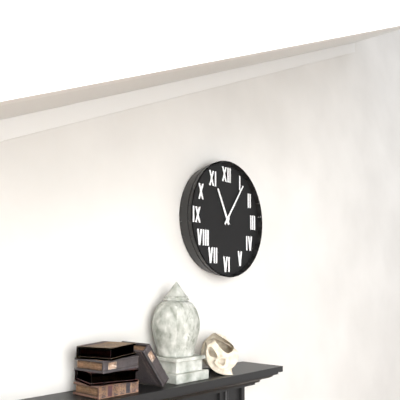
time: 11:06
